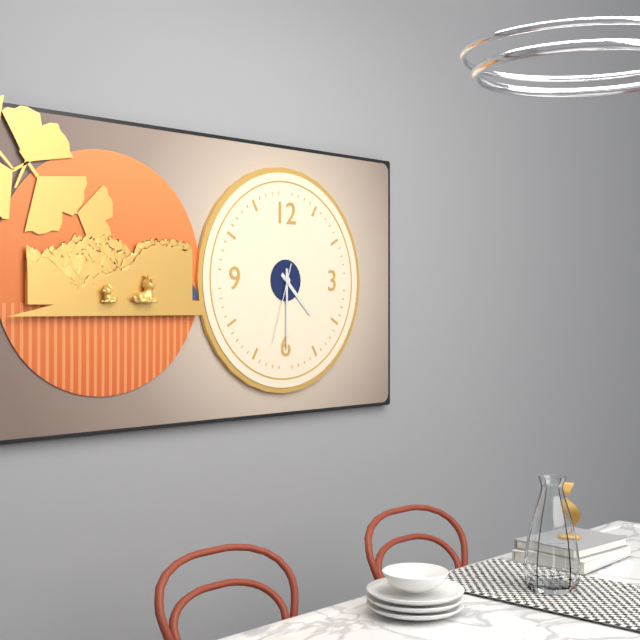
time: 4:30:33
